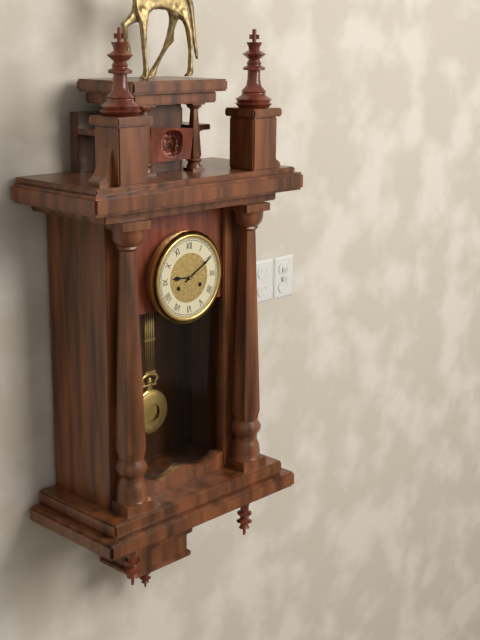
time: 9:10
